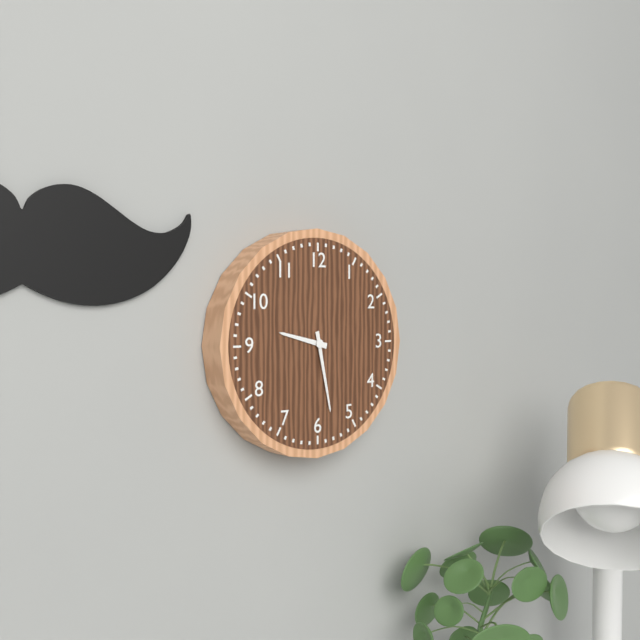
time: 9:28
